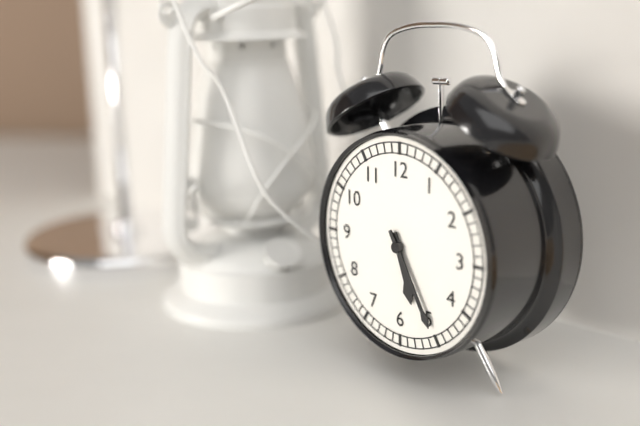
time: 5:25
